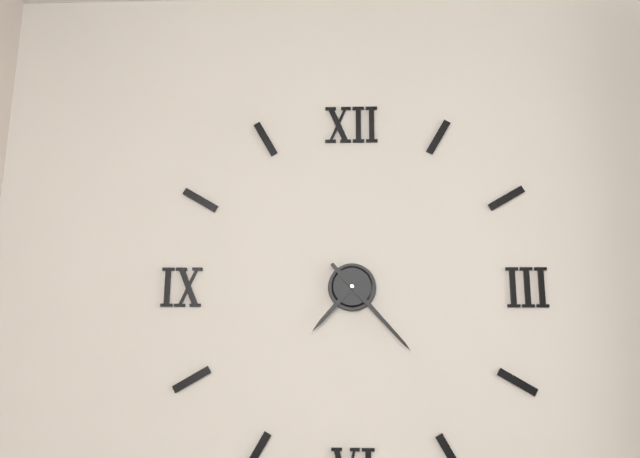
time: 7:23
